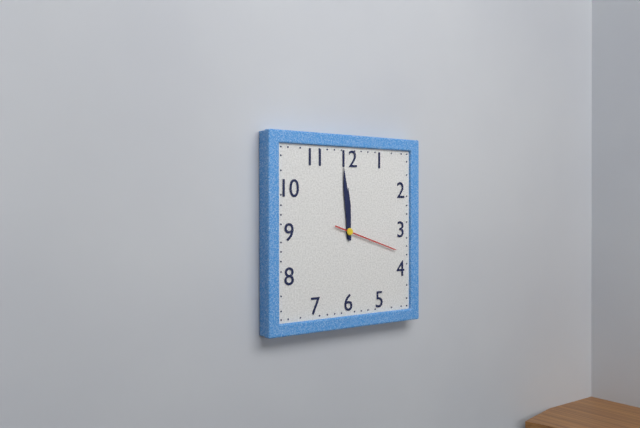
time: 11:59:18
